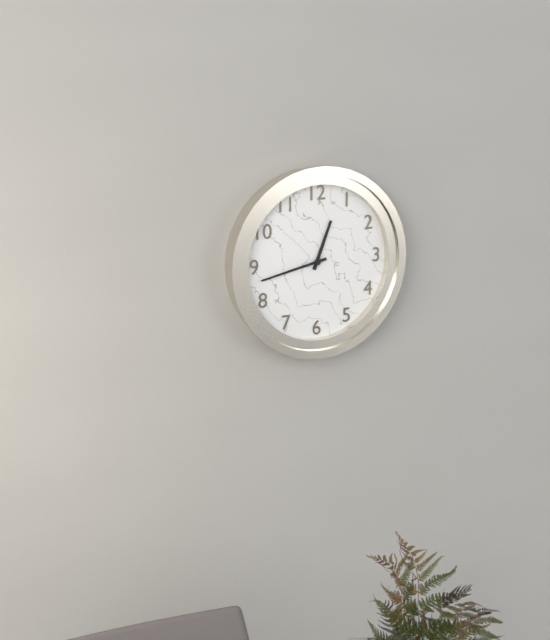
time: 12:43
